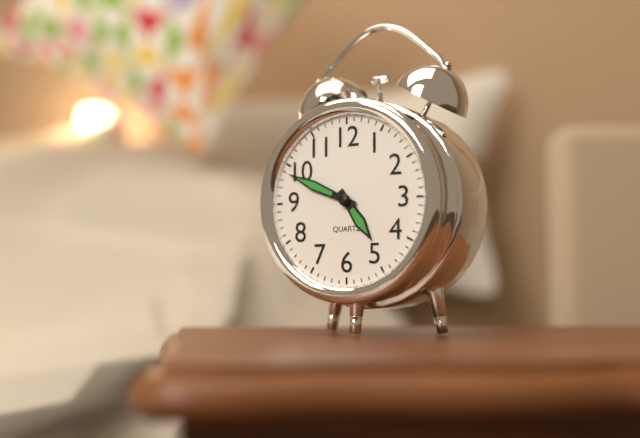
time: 4:49
